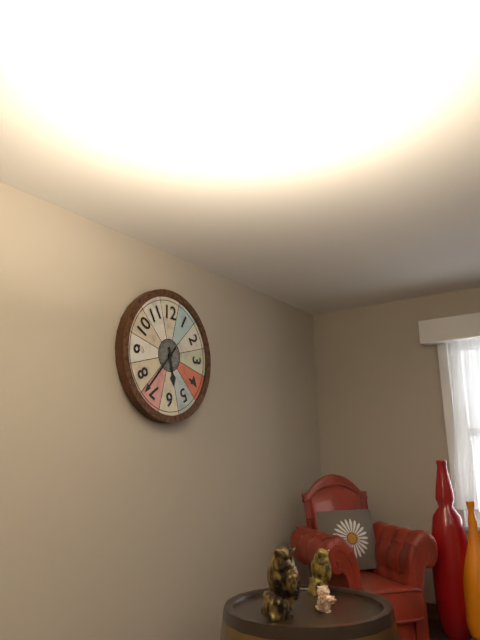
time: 5:37
